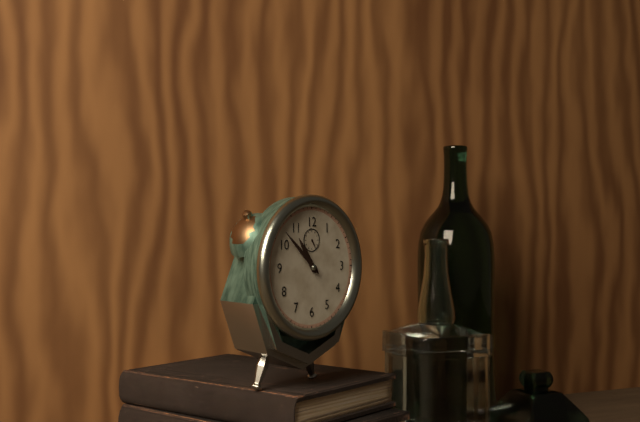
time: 10:52
